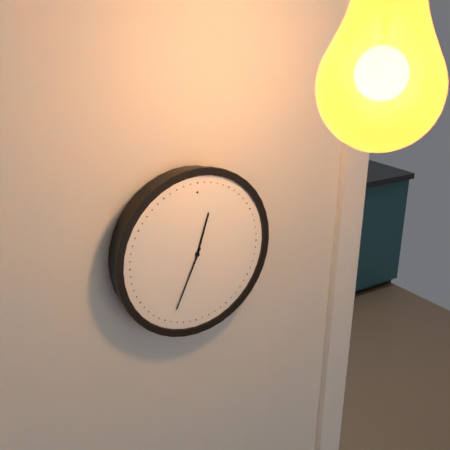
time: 12:34
